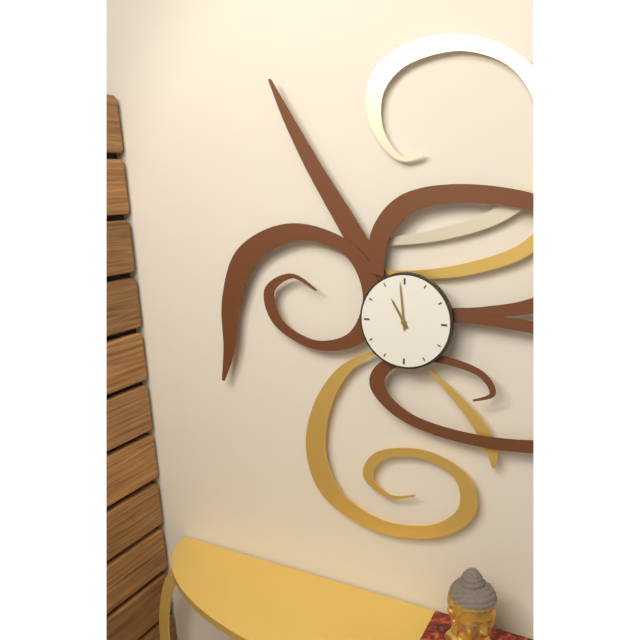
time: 10:59
